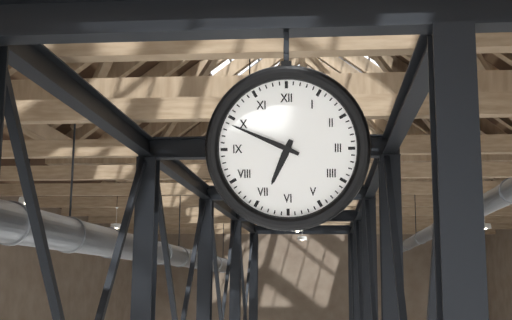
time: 6:49
